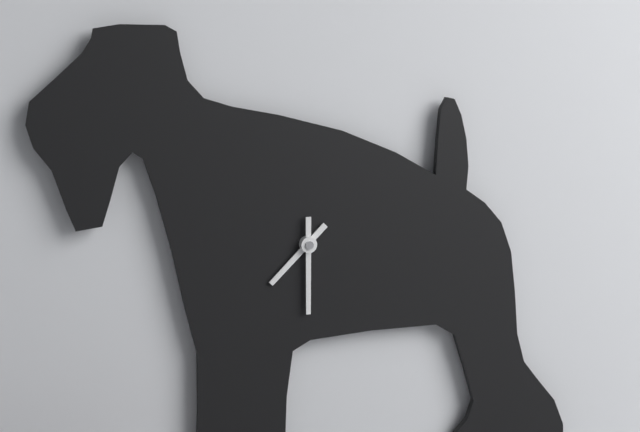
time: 7:30
